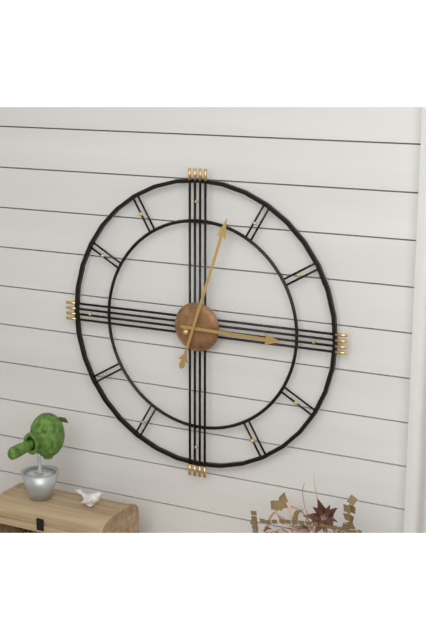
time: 3:03
